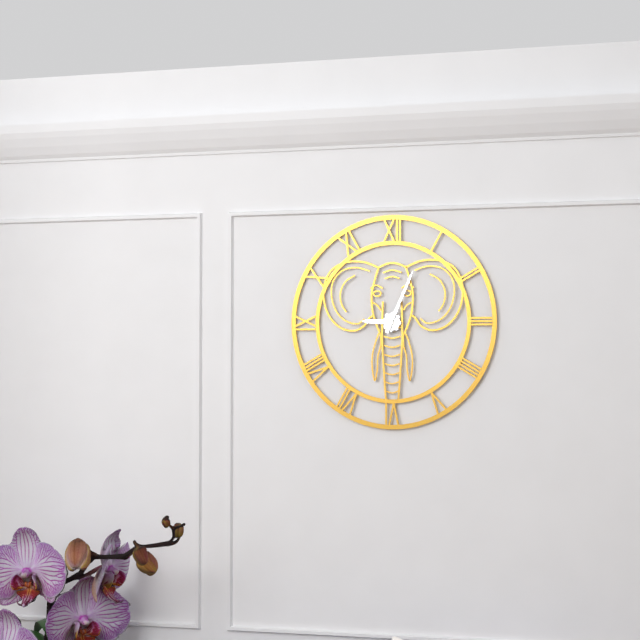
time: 9:04
